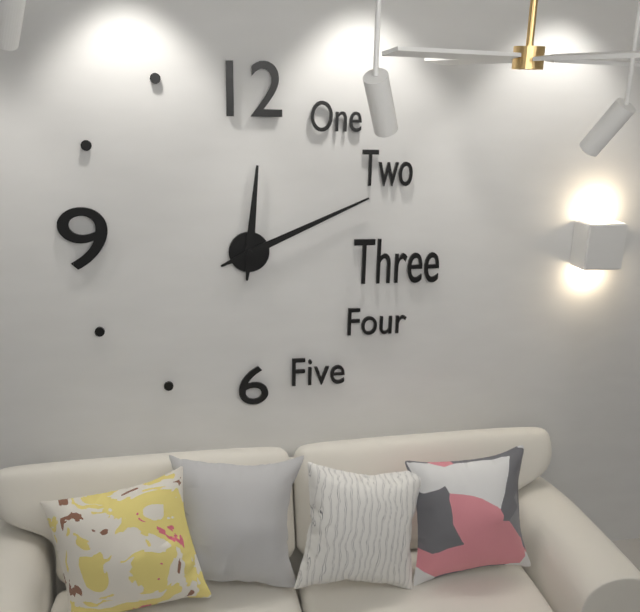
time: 12:11
